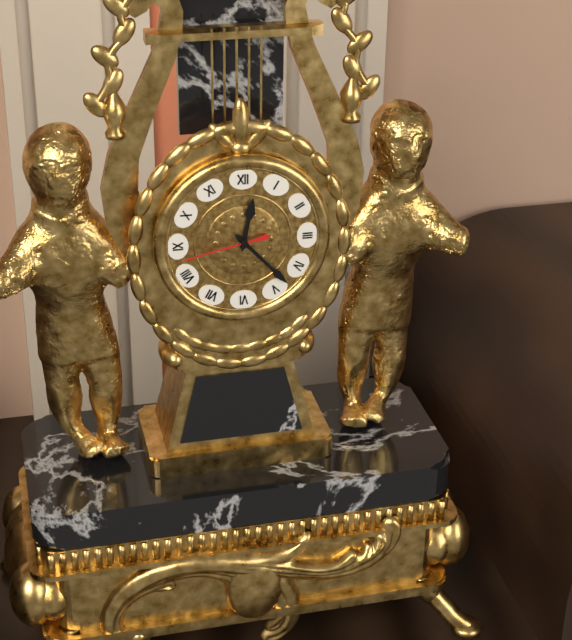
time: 12:23:43
